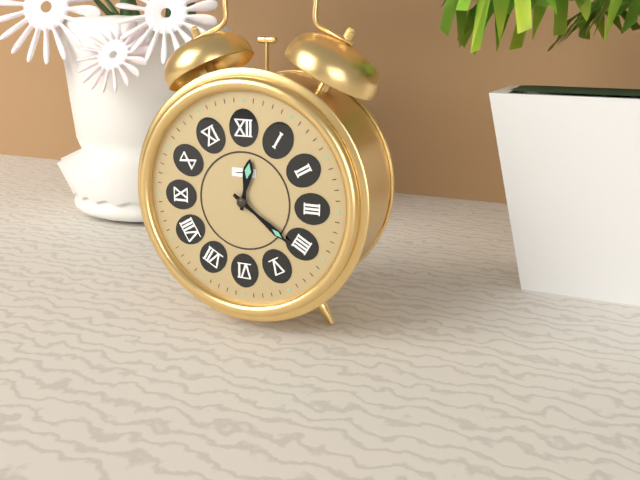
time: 12:21
